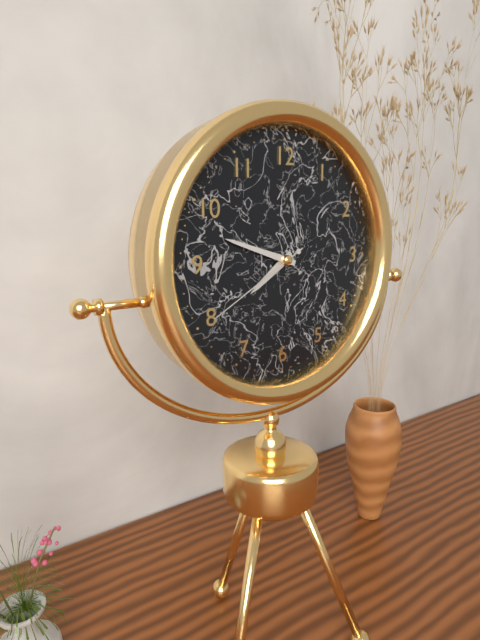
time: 7:48:40
